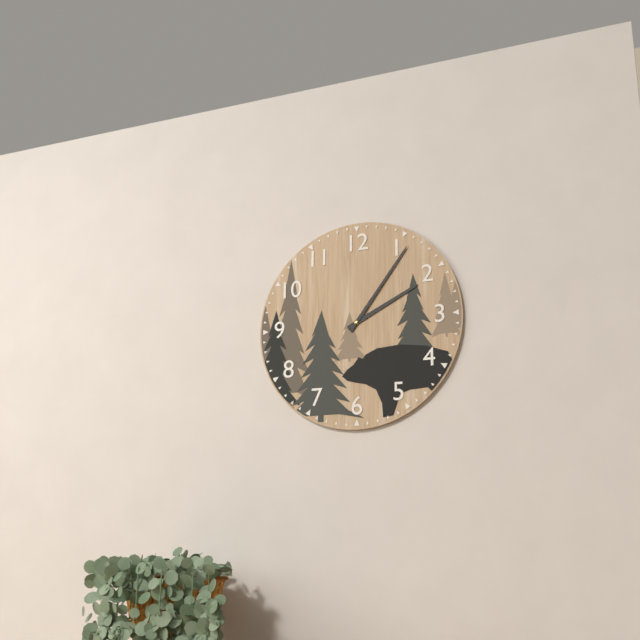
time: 2:06
